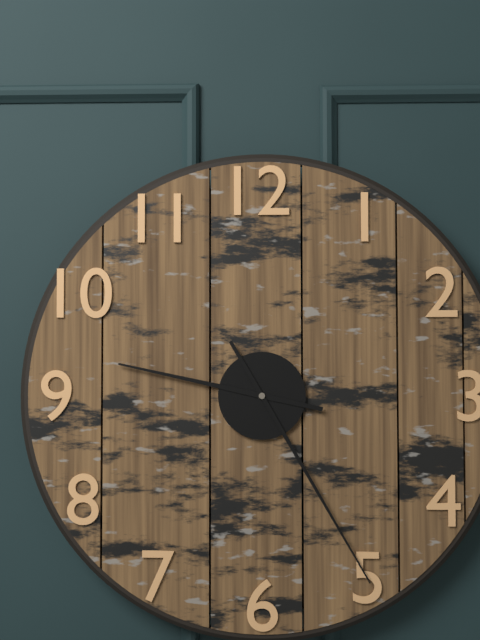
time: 9:25
